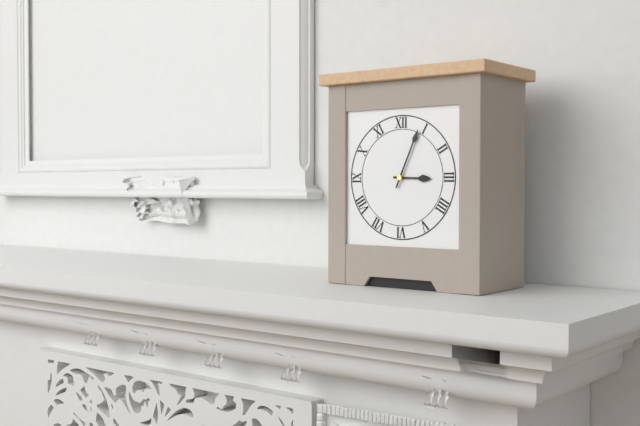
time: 3:04
